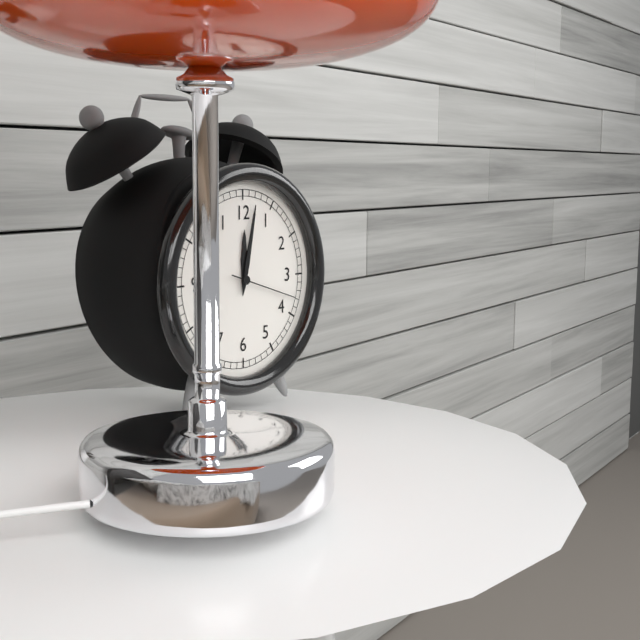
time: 12:02:18
